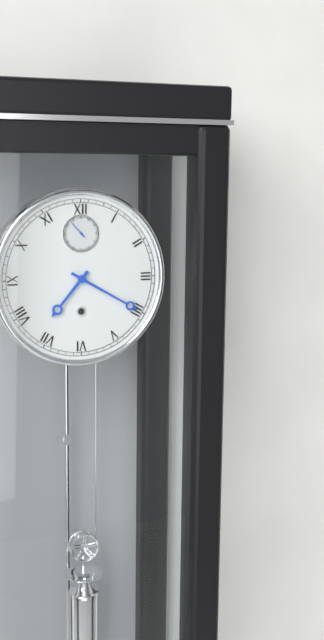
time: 7:20
